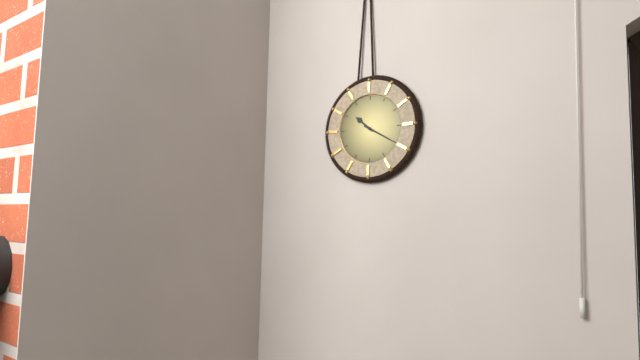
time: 10:20
